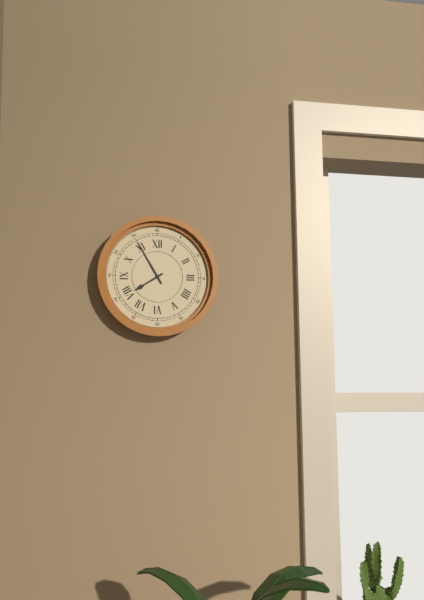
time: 7:55
